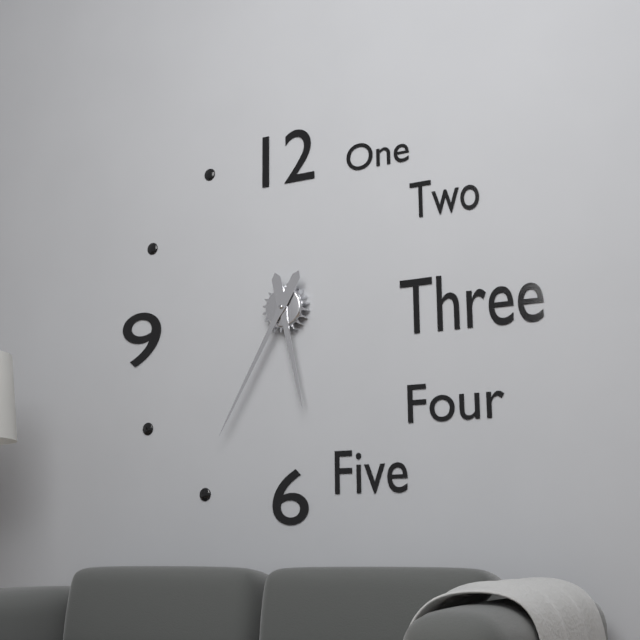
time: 5:35
